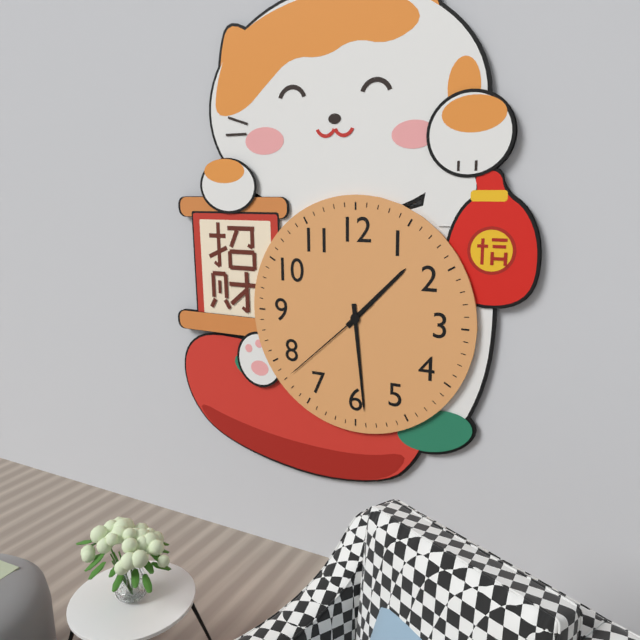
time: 1:29:38
